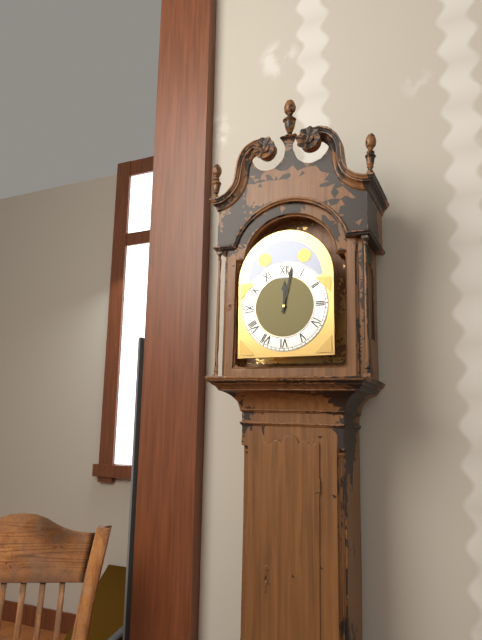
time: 12:02
